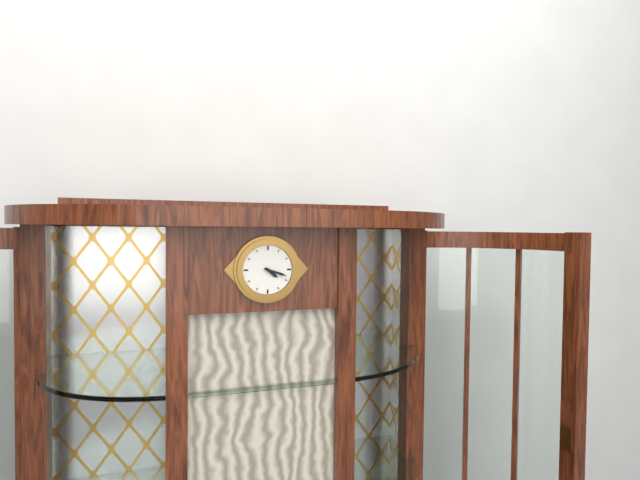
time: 4:18
